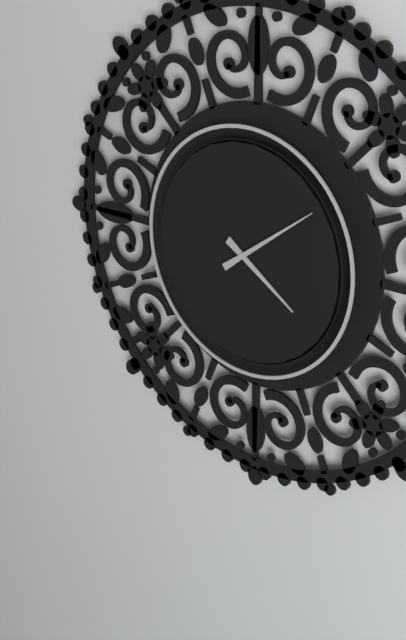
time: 4:09
